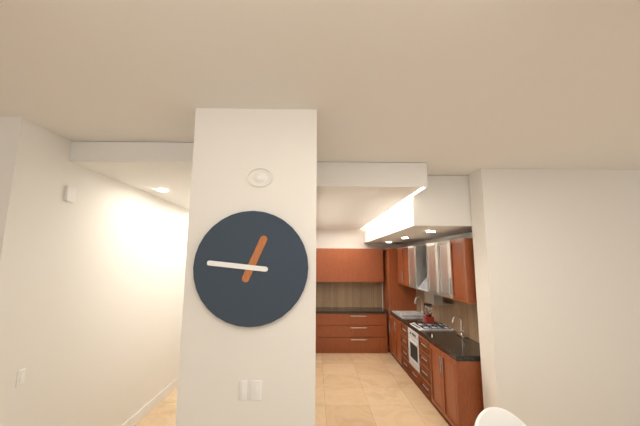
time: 12:46
